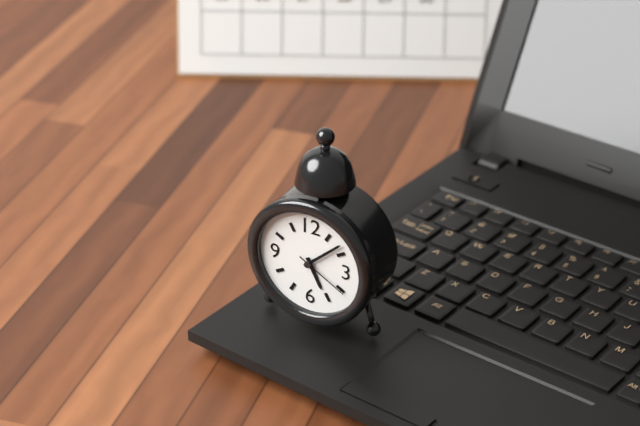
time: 5:08:20
